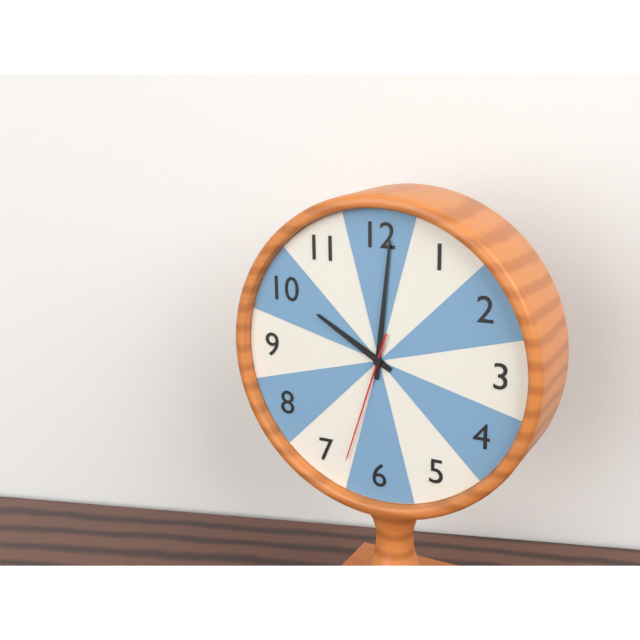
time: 10:01:33
